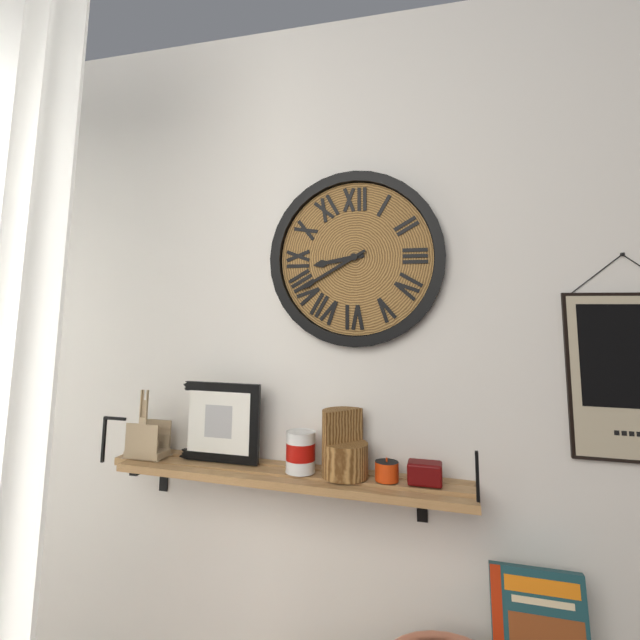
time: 8:40
